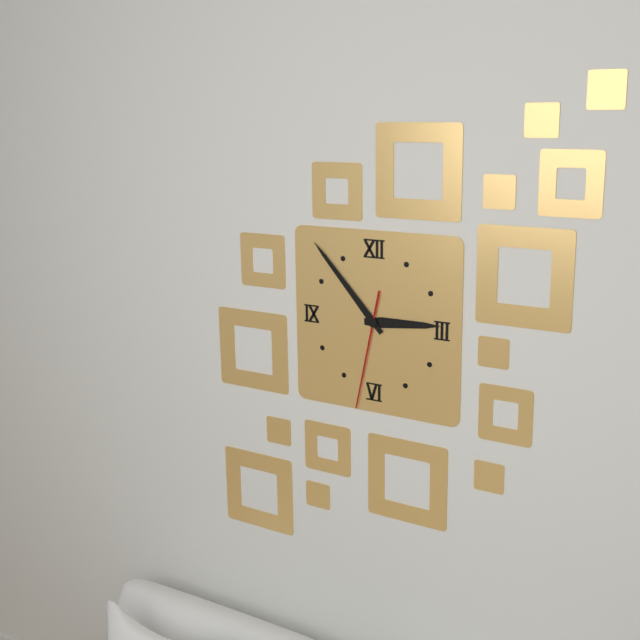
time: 2:53:32
